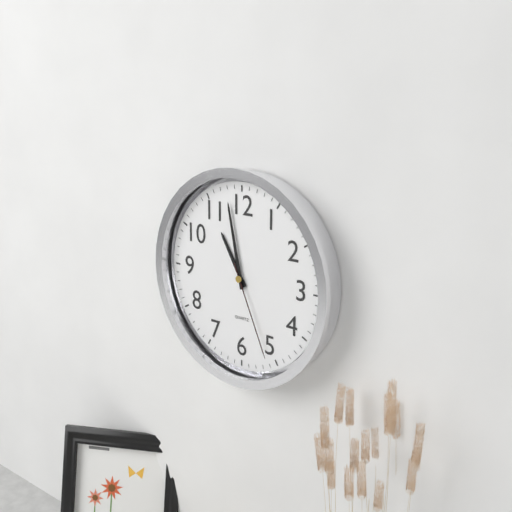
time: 10:58:26
